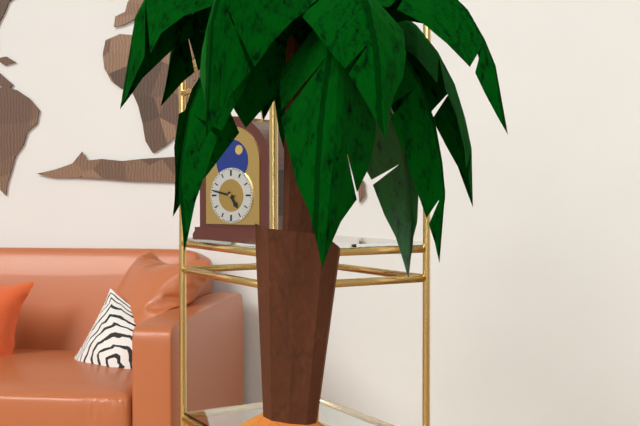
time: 4:47
